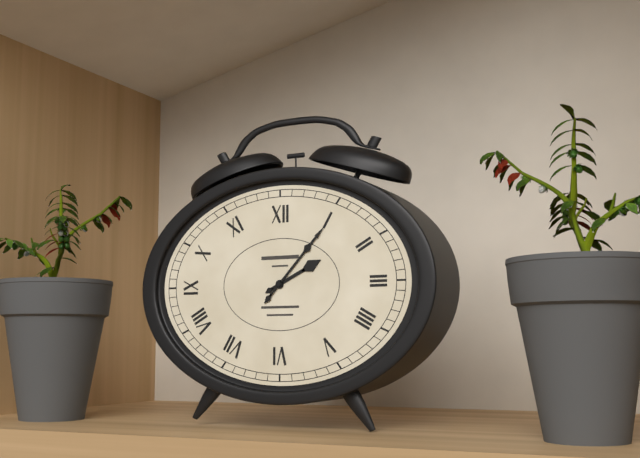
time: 2:07
